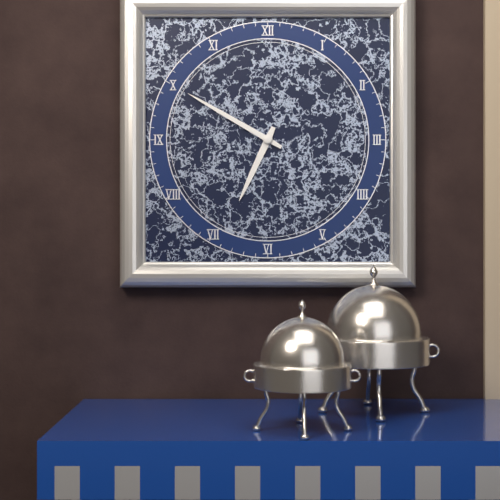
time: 6:50
